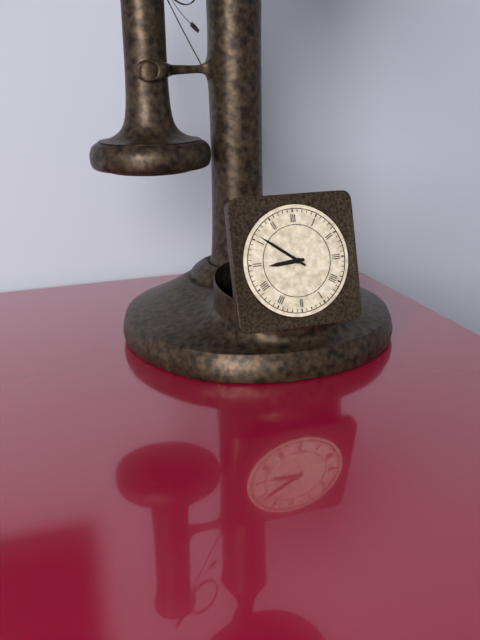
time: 8:51
